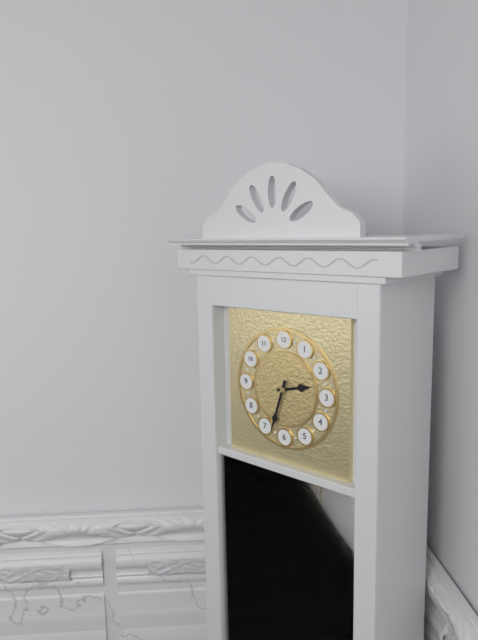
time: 2:33
